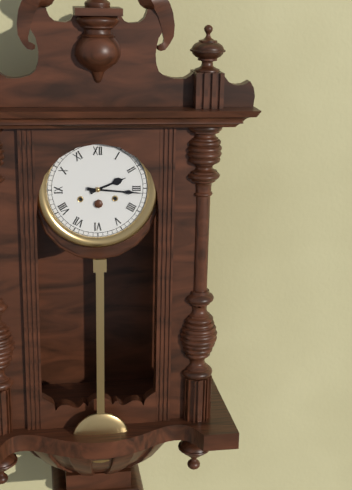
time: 2:16
